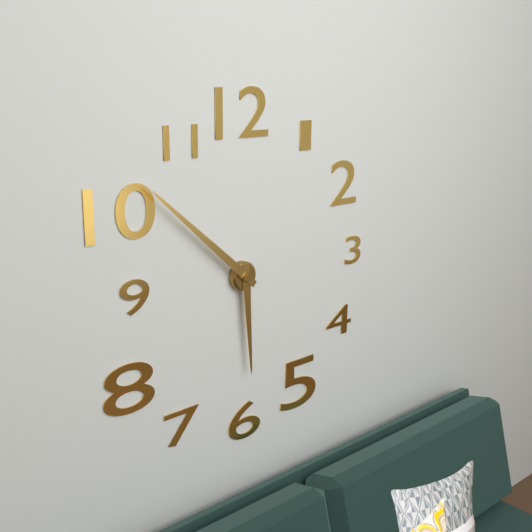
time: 5:52
